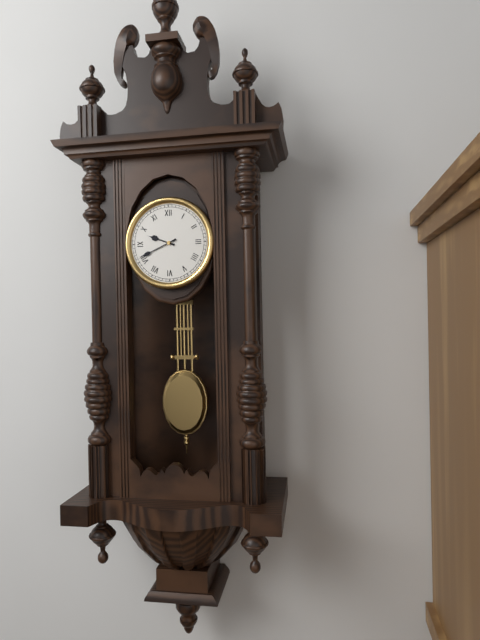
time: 9:41
